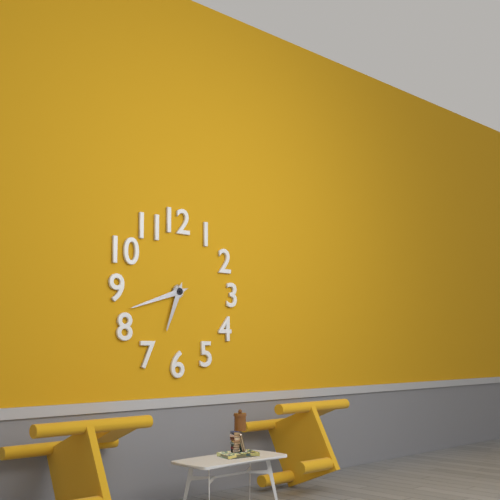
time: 6:42
